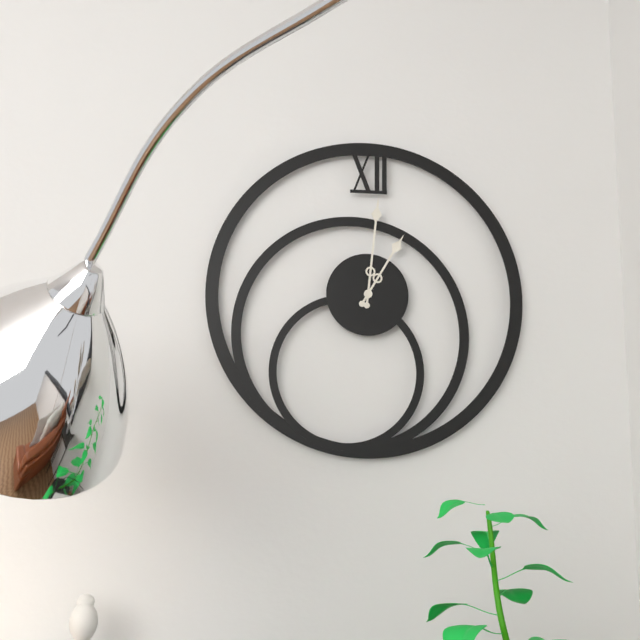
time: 1:01
